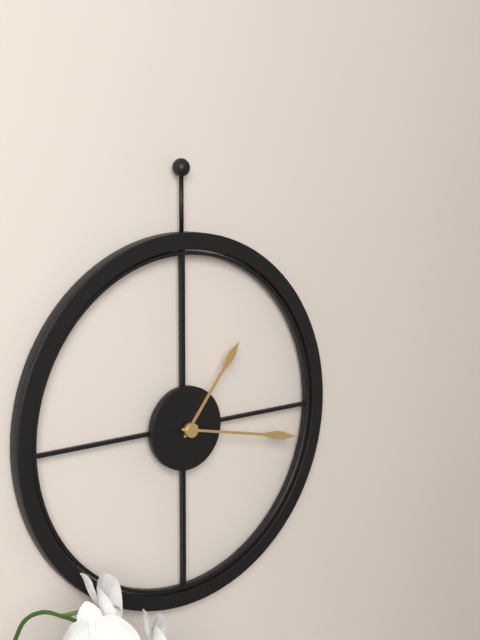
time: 1:17
